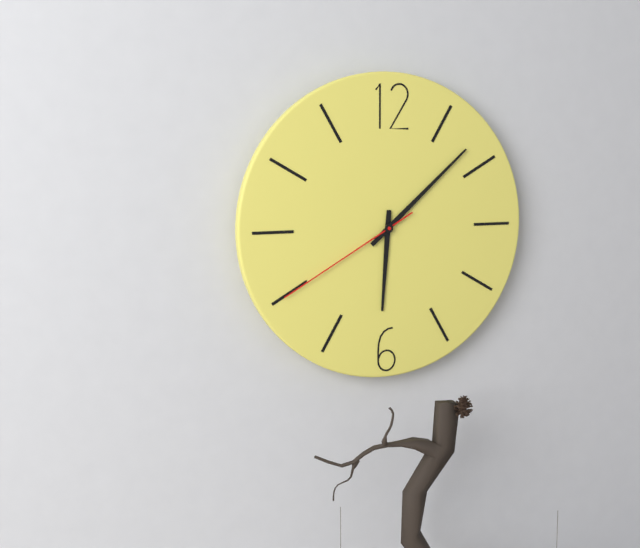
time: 6:08:40
